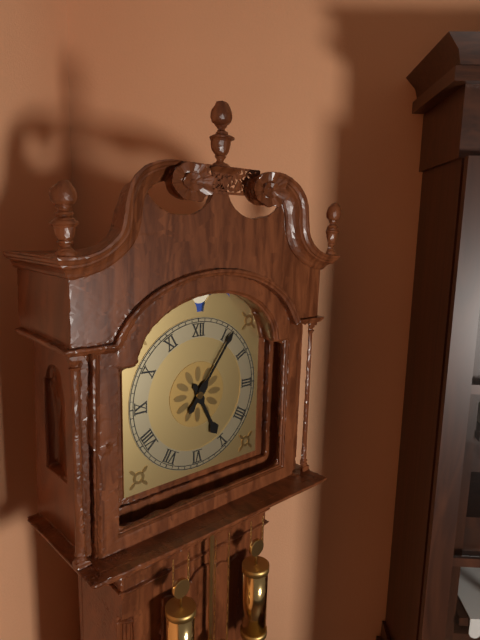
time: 5:06
